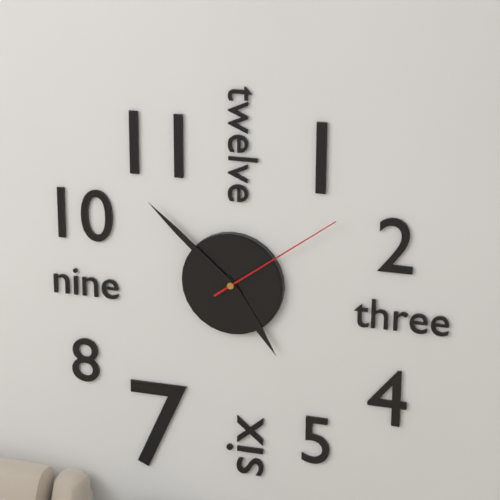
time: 4:52:09
